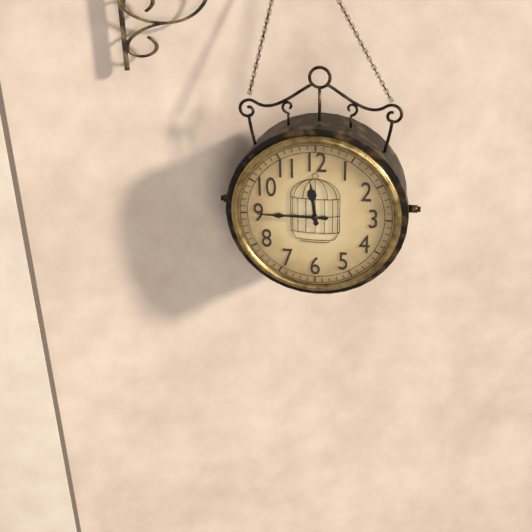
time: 11:45
